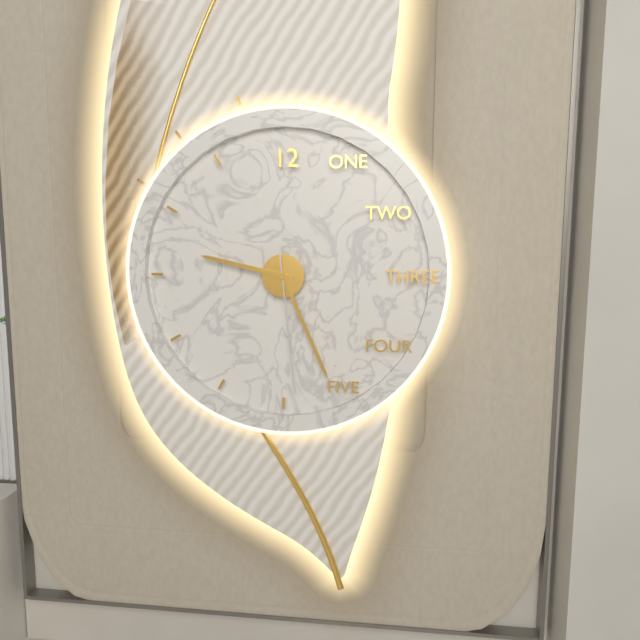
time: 9:26:29
